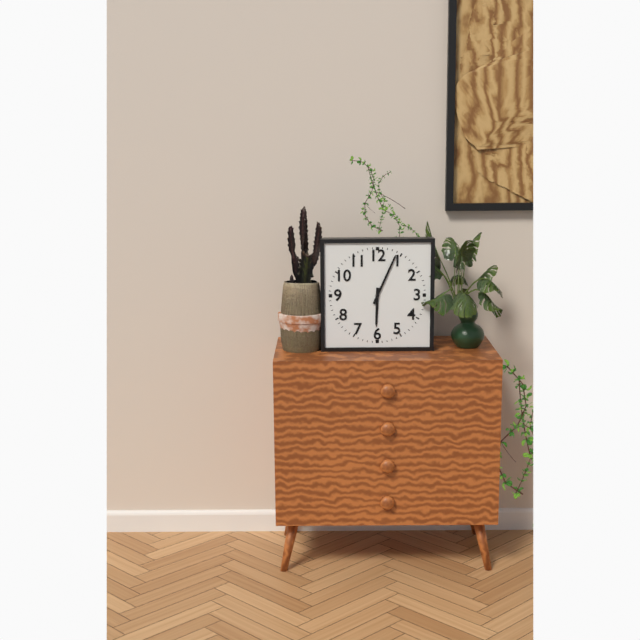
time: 6:04
